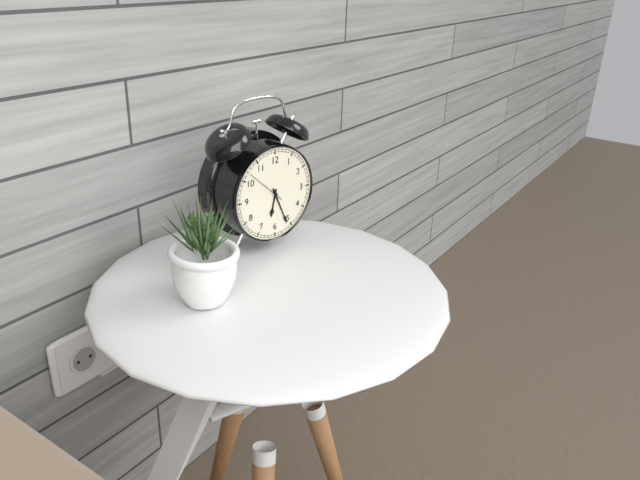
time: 6:26
